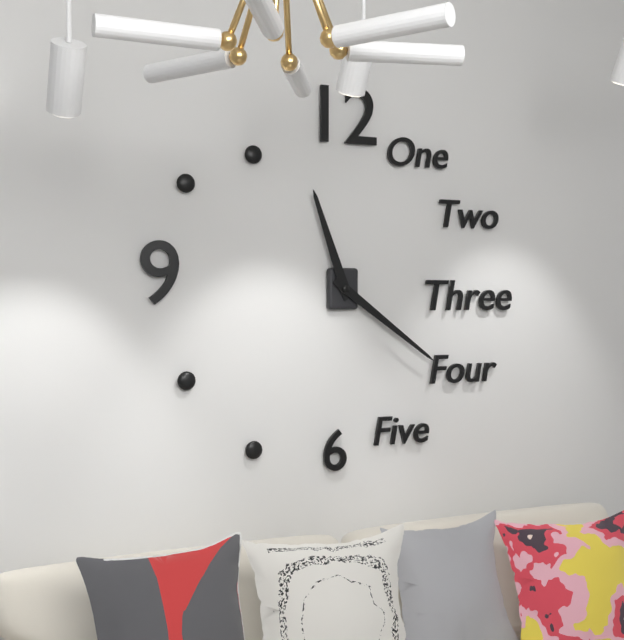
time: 11:21
